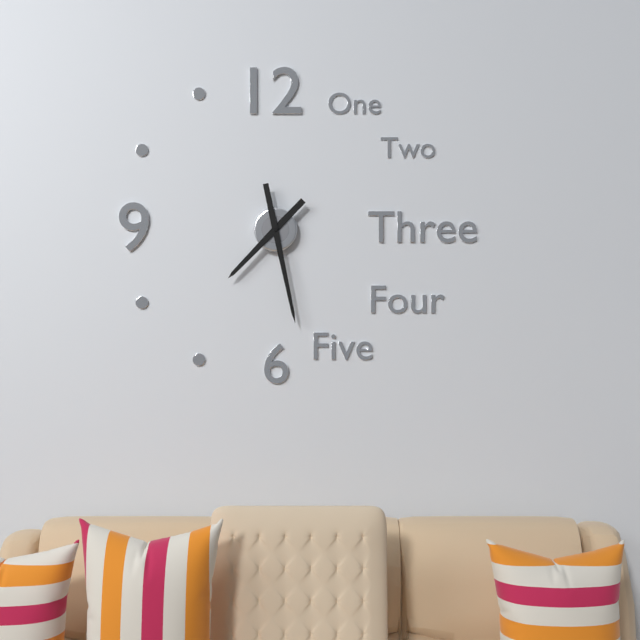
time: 7:28
